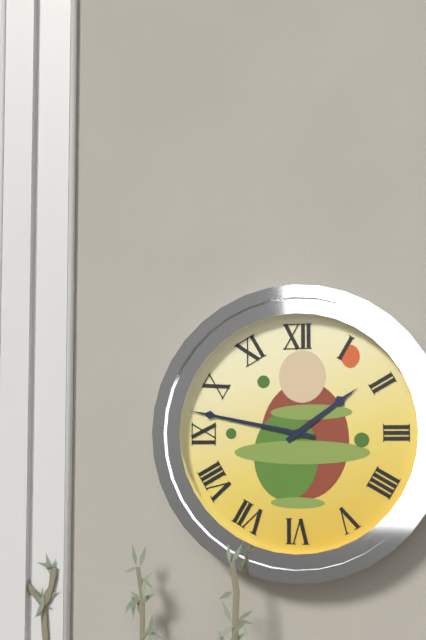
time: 1:47
